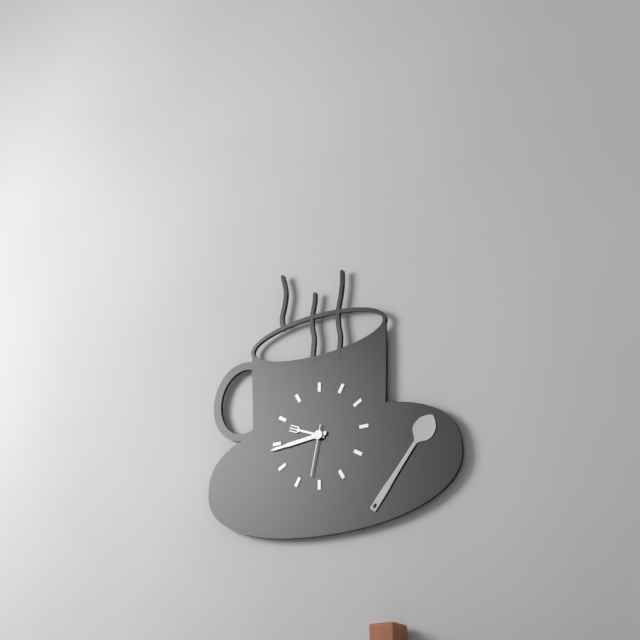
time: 9:44:32
